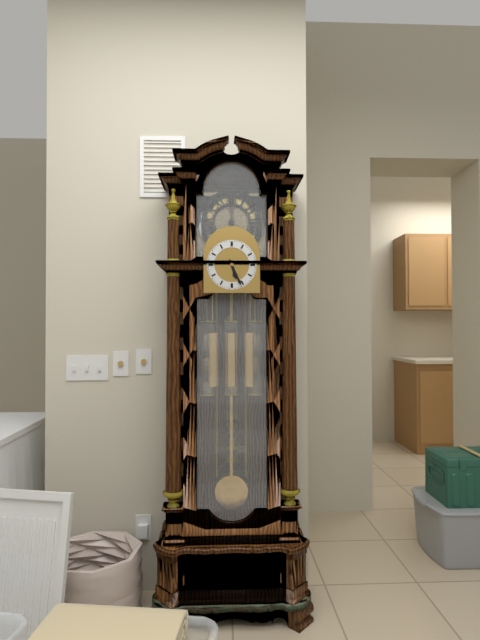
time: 5:26
